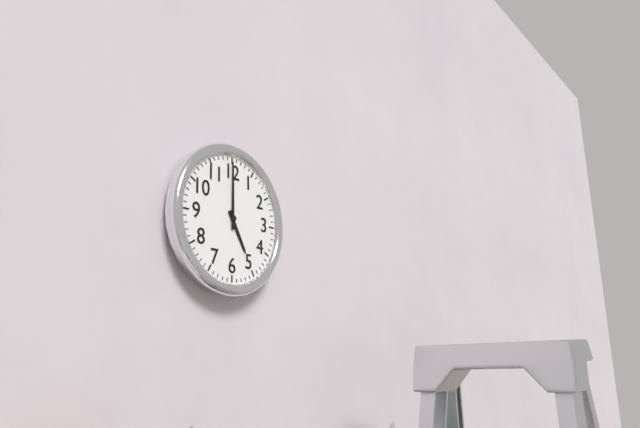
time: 5:00
